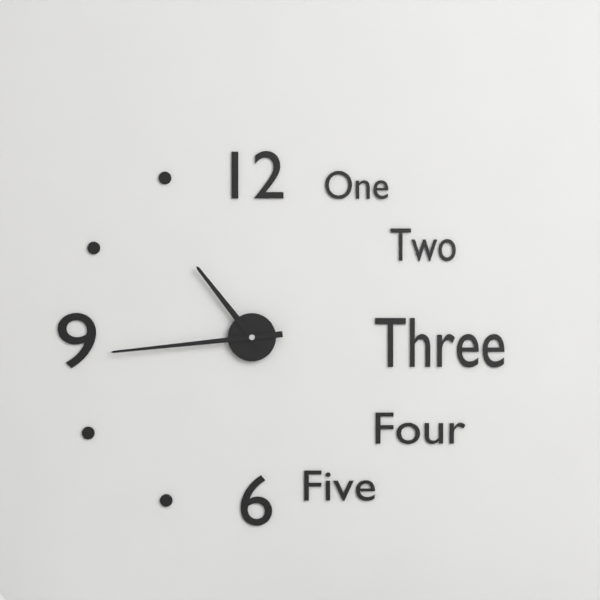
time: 10:44
